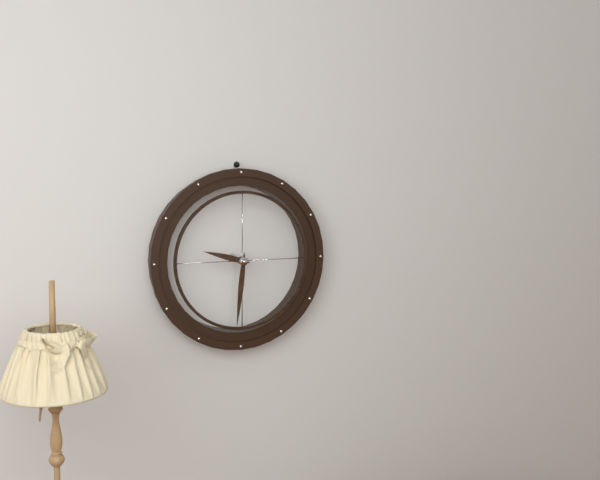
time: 9:31
